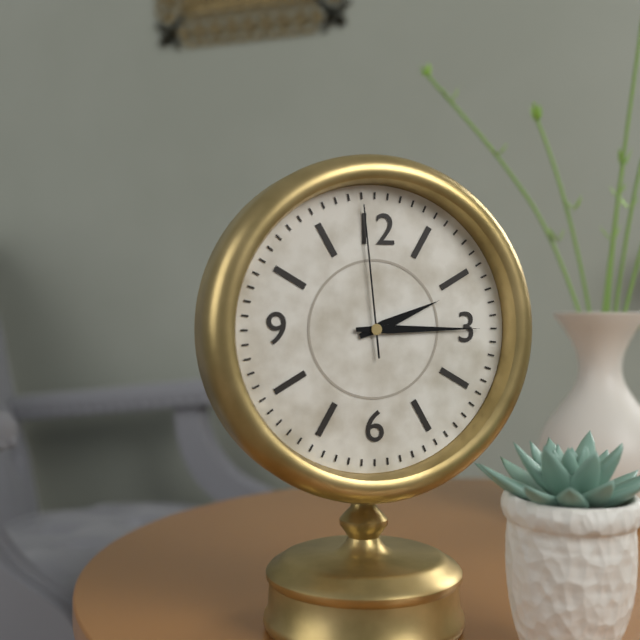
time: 2:15:59
